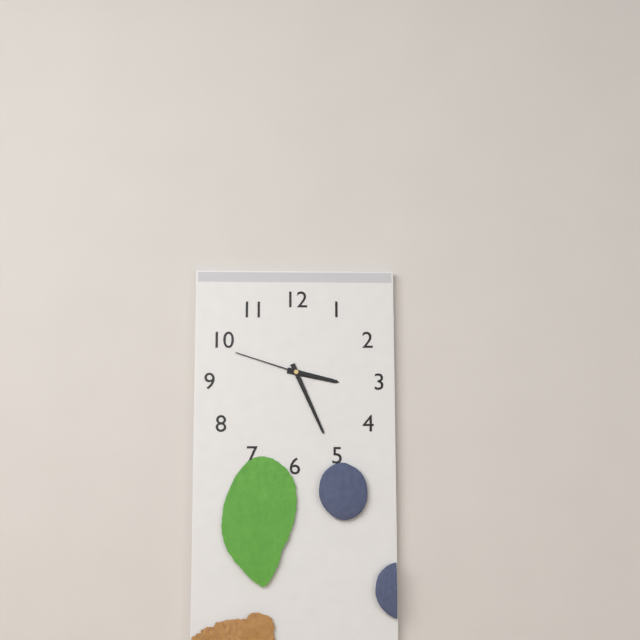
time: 3:26:48
